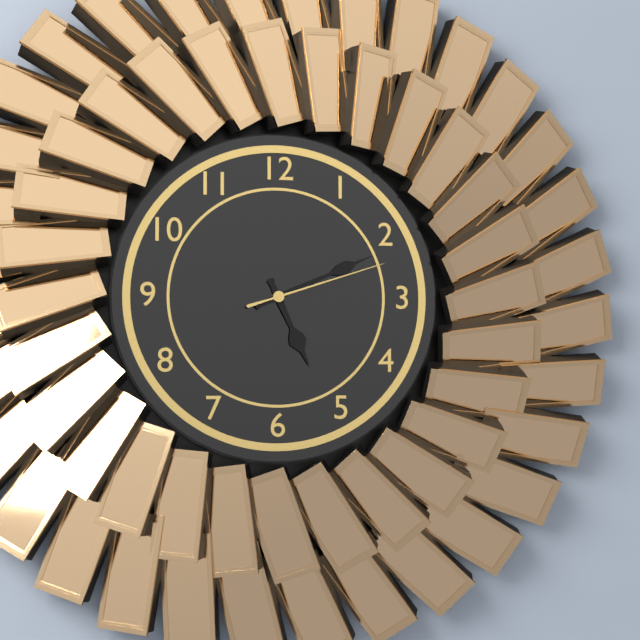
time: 5:11:12
